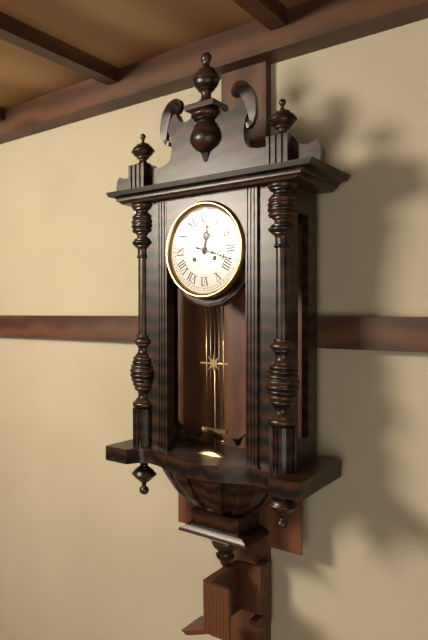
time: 12:18
